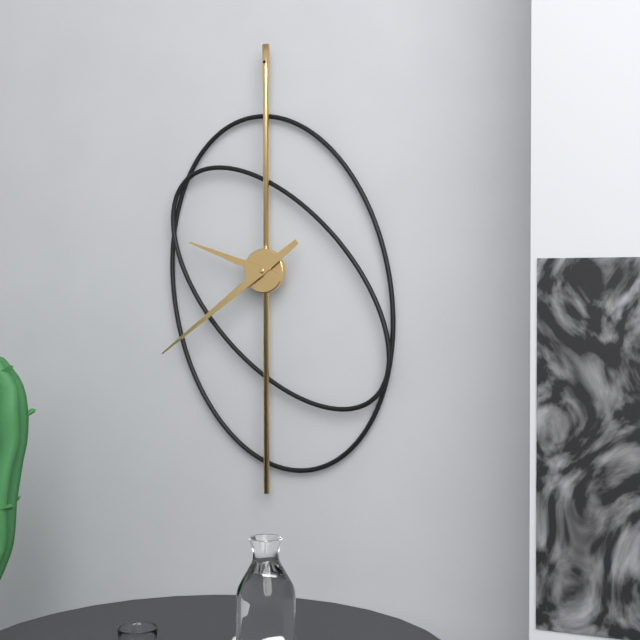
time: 9:39
